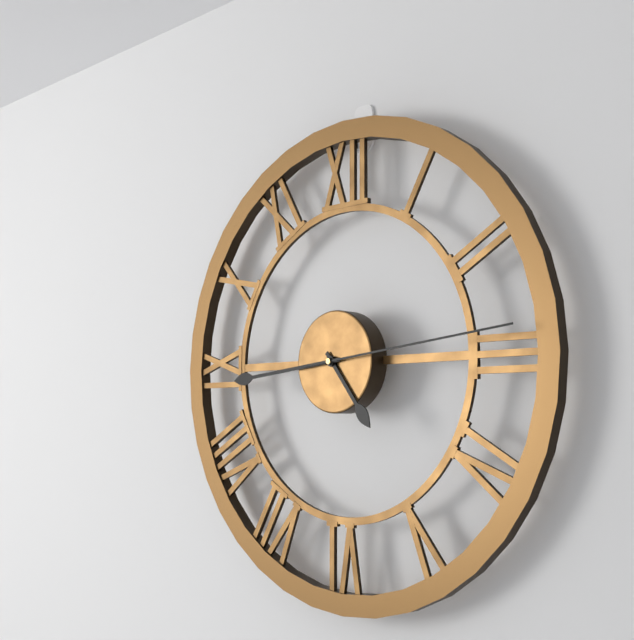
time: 4:44:14
